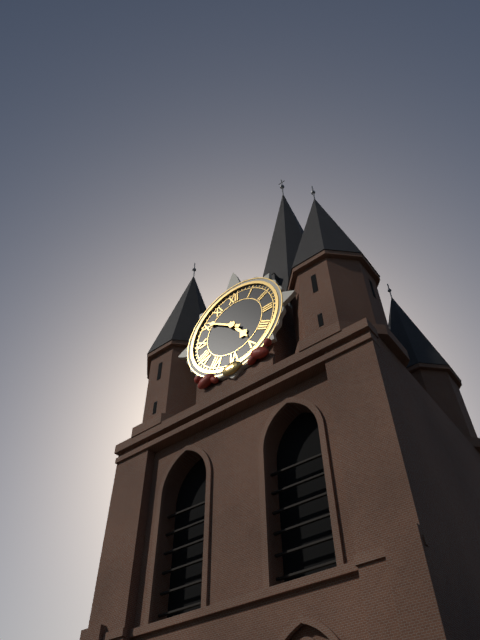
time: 4:51
